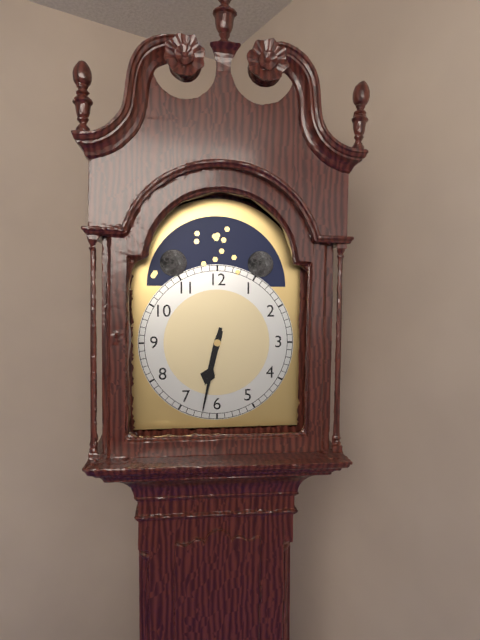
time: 6:32
